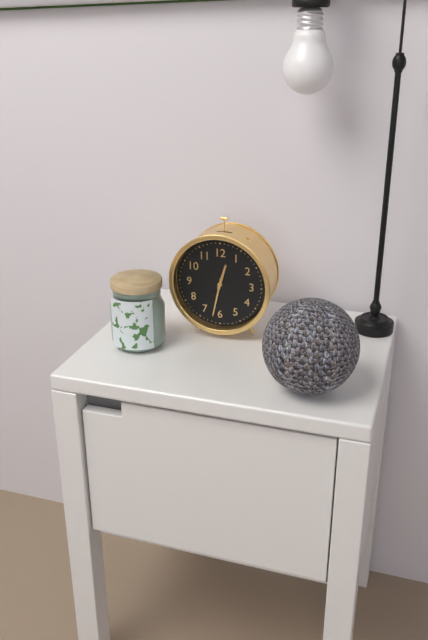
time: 12:32
